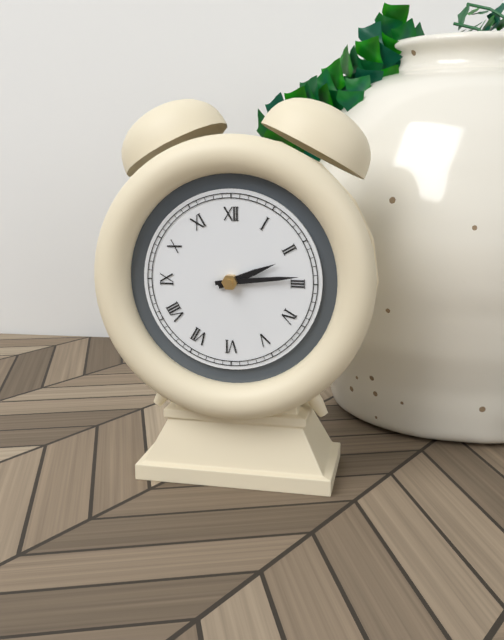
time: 2:14
